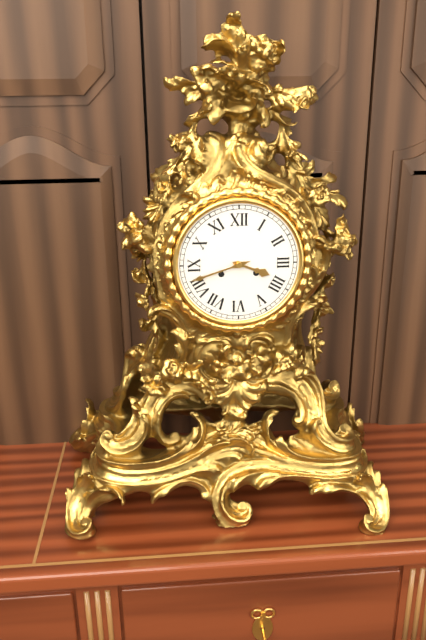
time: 3:42
